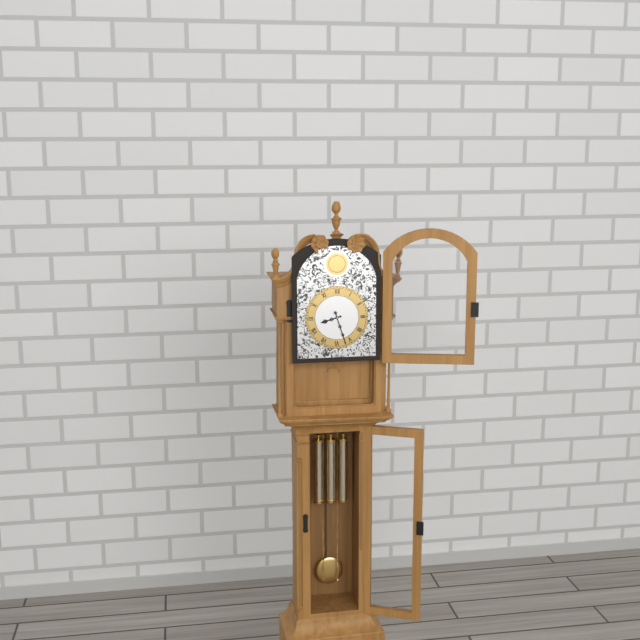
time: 8:27
